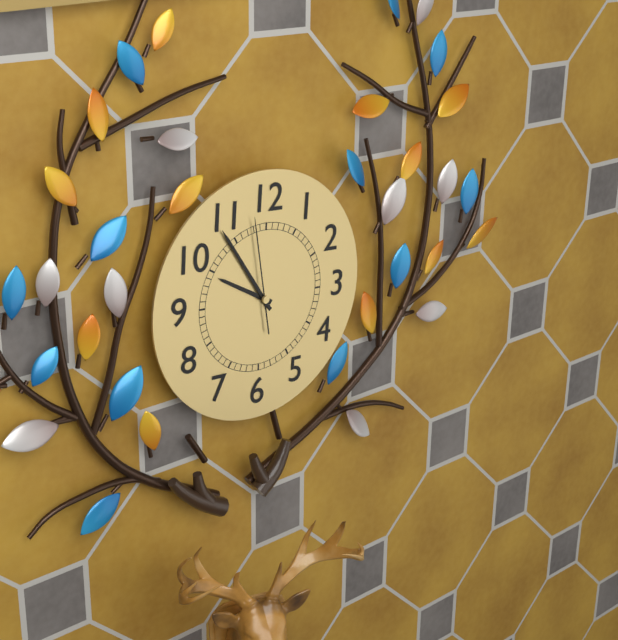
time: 9:54:58
